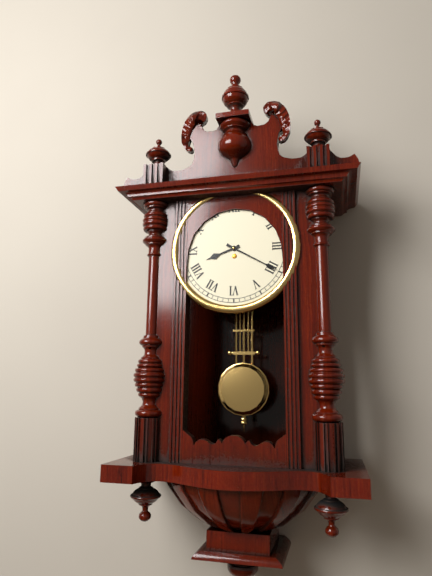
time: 8:20
